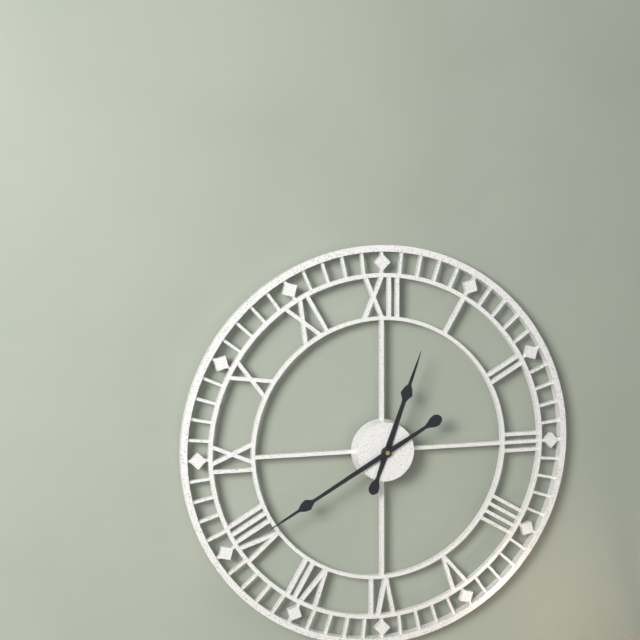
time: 12:40
